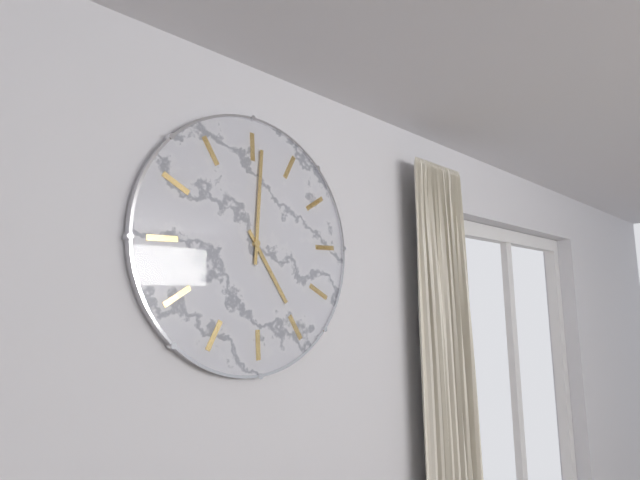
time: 3:56
